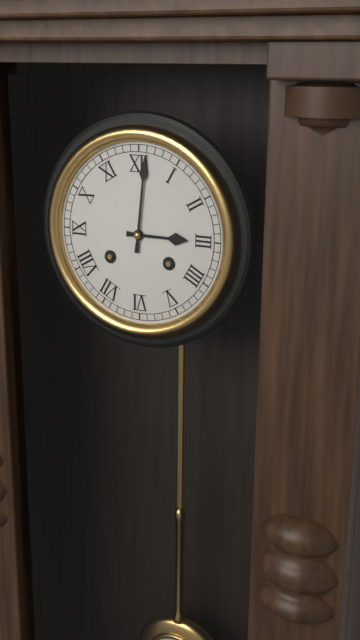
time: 3:01
